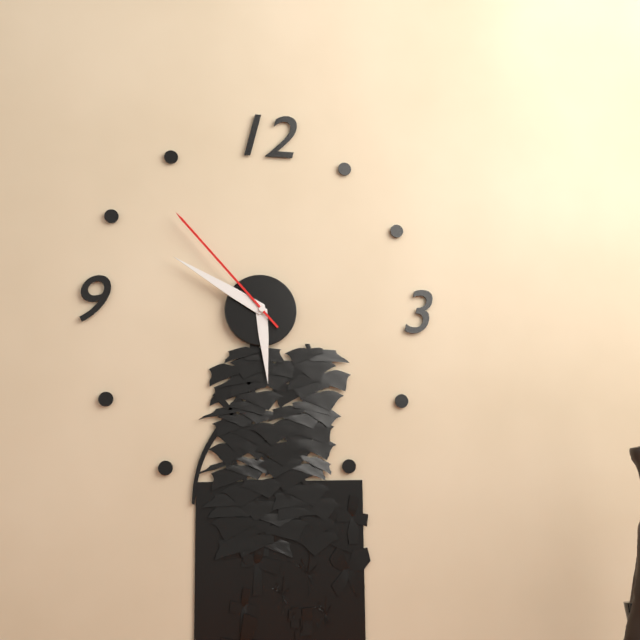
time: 5:50:53
